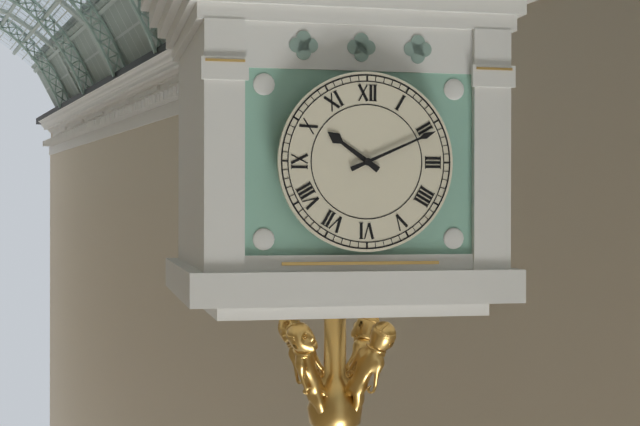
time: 10:11
